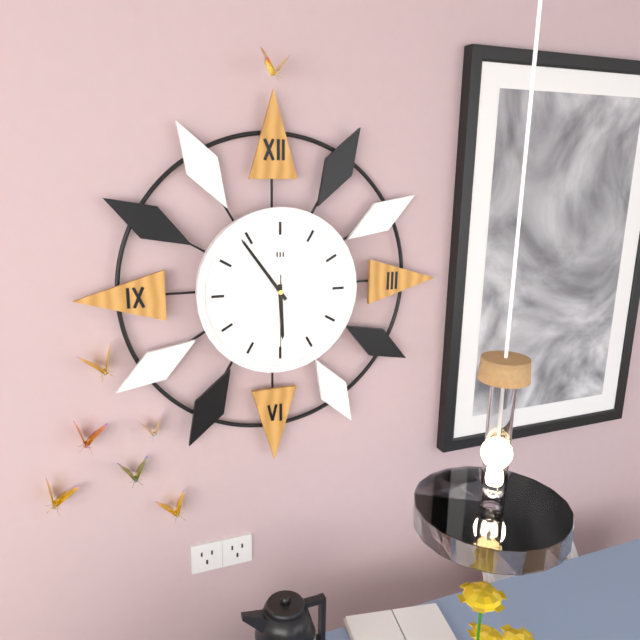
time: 5:54:30
